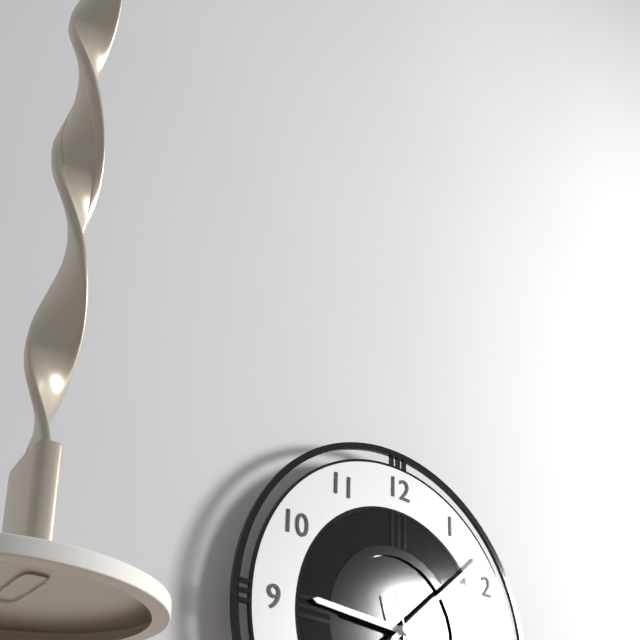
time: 9:08
